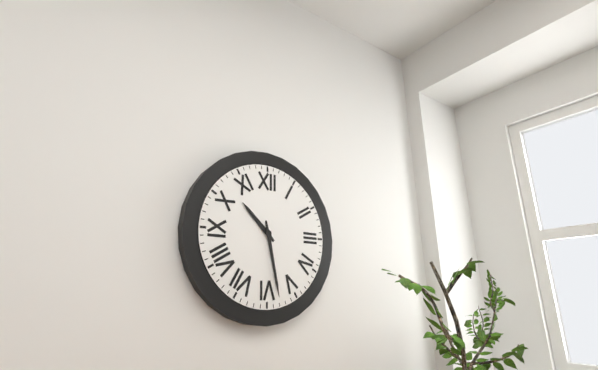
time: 10:28
